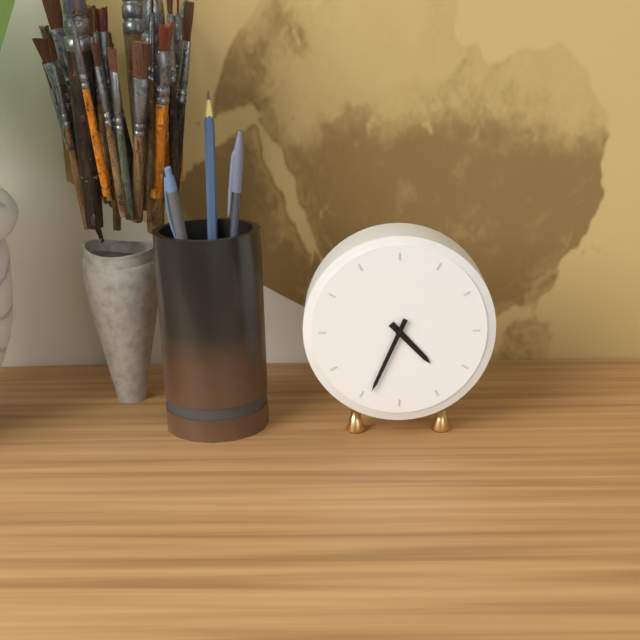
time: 4:34
